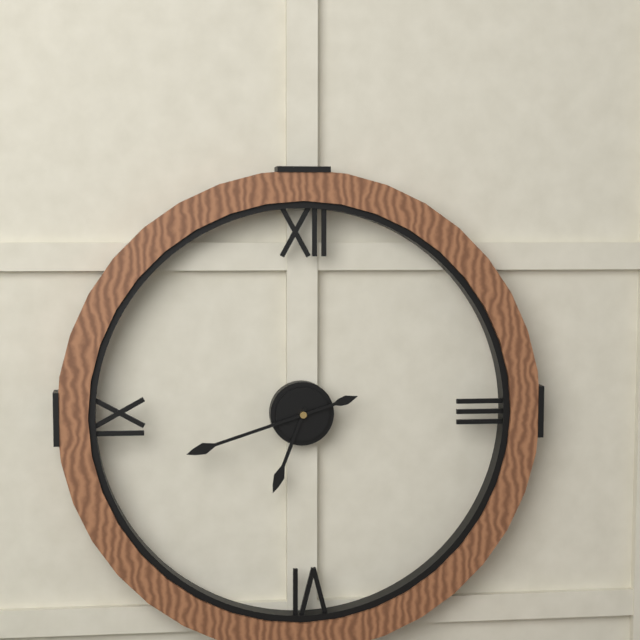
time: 6:42
